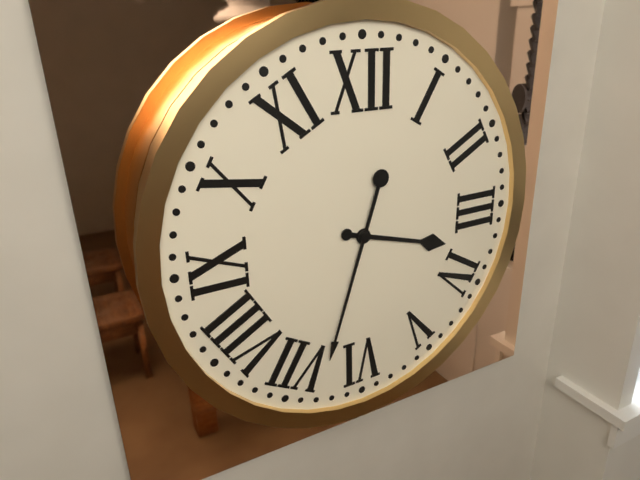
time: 3:33
